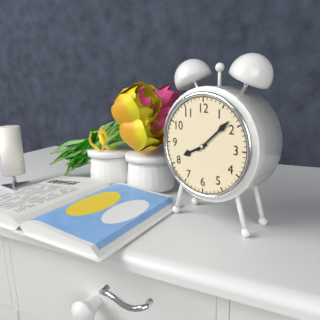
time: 8:08
